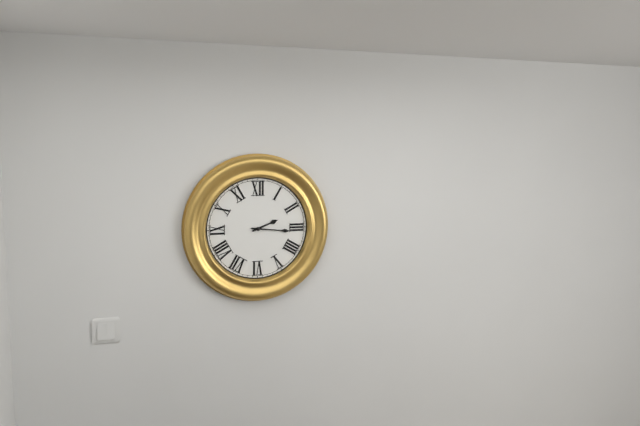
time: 2:16
